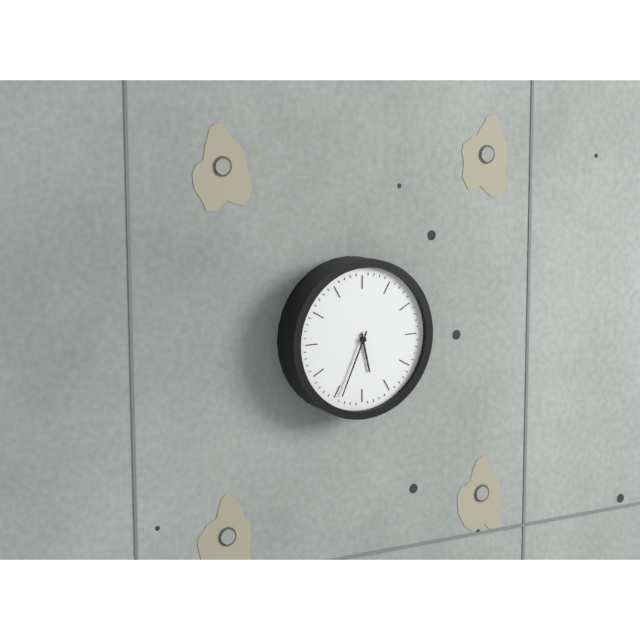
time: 5:34
